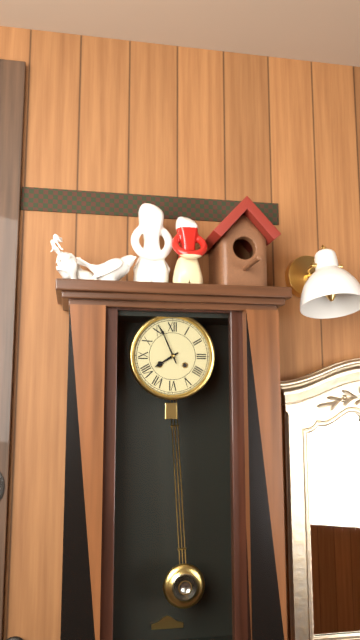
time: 7:56
